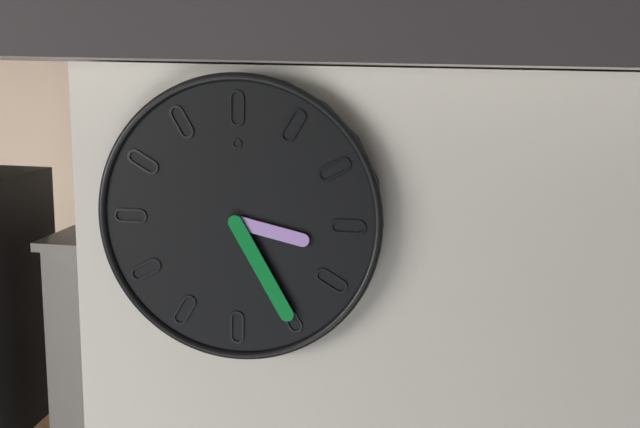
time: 3:25
